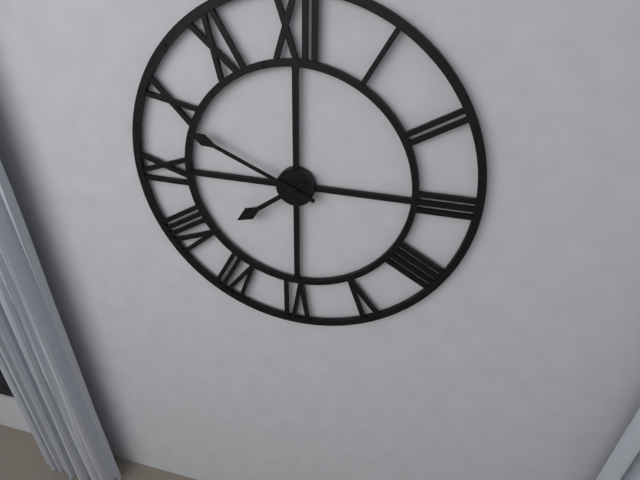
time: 7:49
